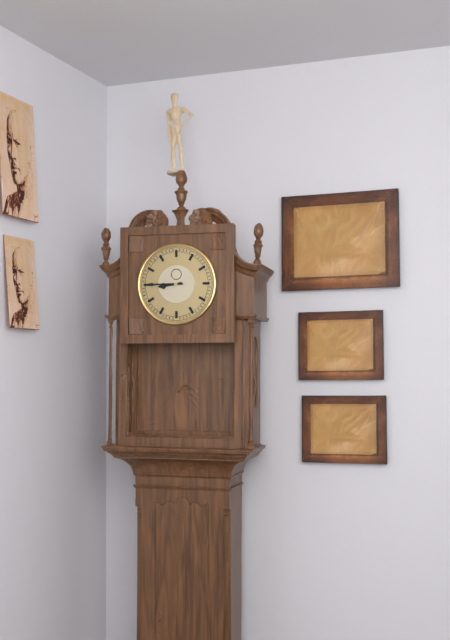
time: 8:45
